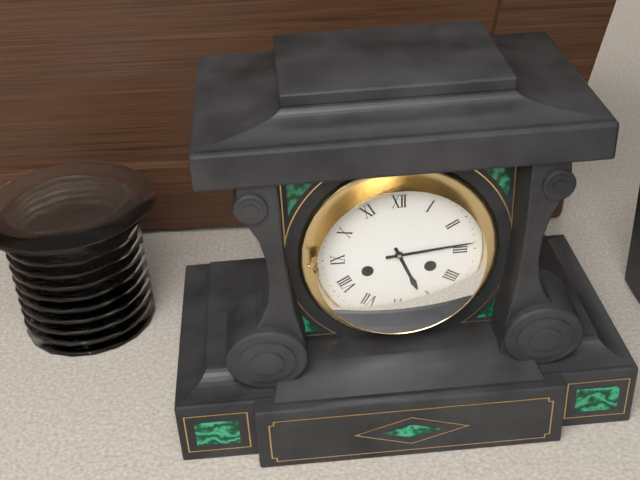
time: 5:14
